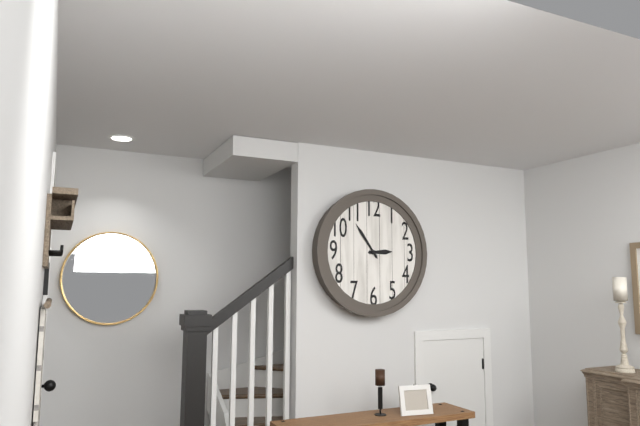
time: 2:54
